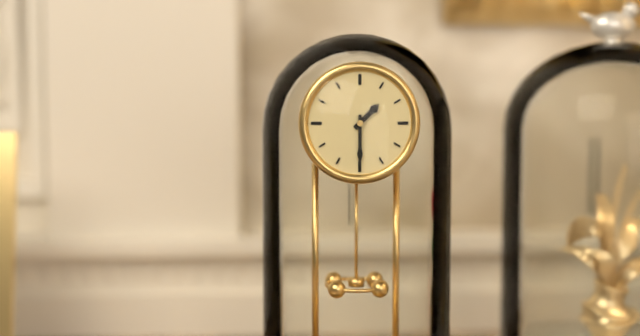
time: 1:30
